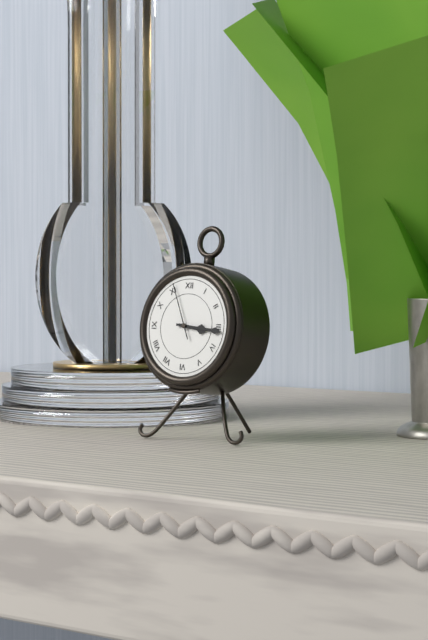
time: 3:16:56
